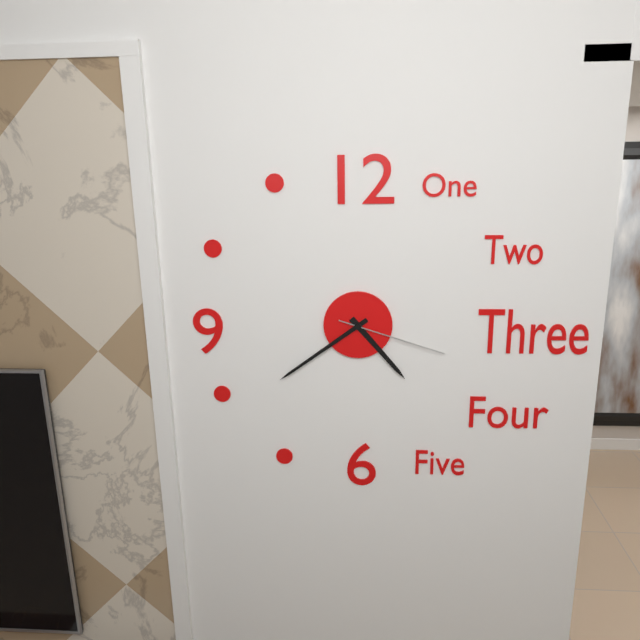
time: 4:39:18
